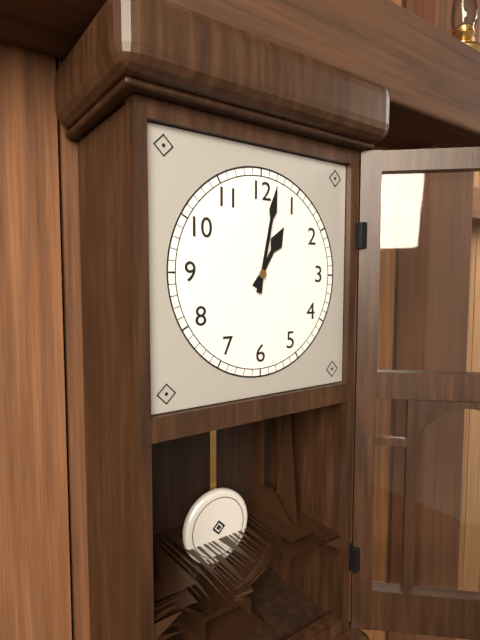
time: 1:02
